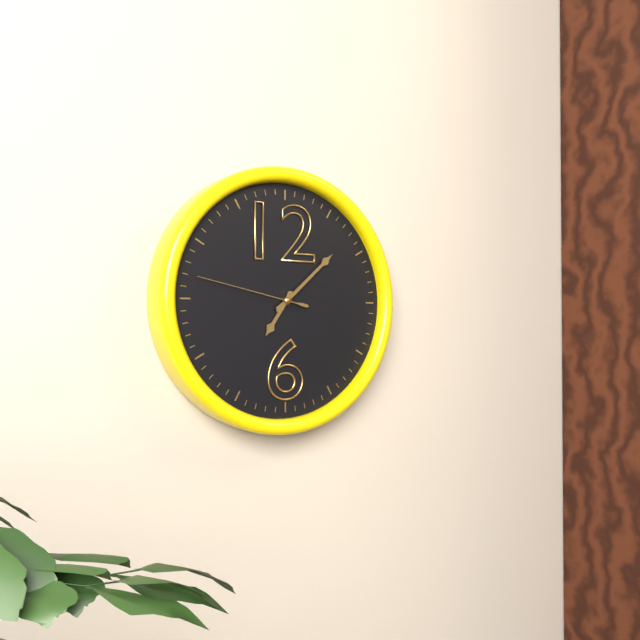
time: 7:08:47
